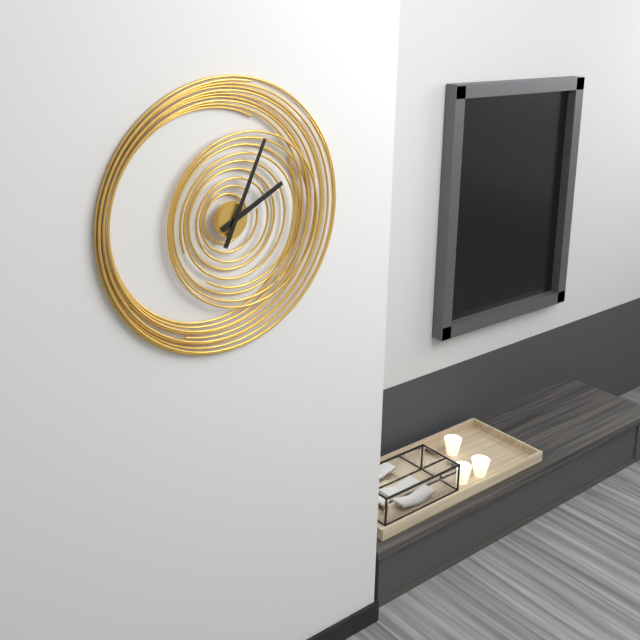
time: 2:04
